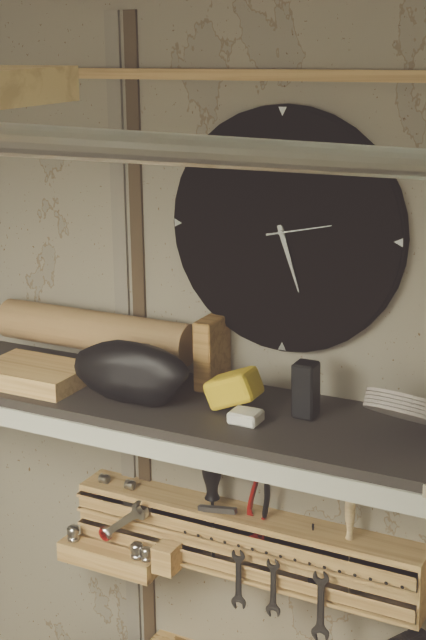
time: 5:27:13
